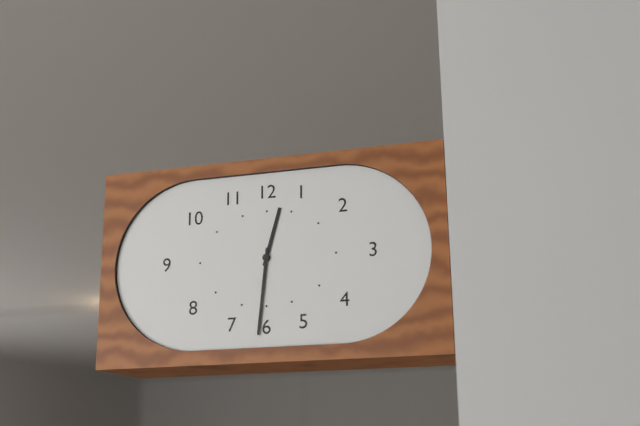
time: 12:31
